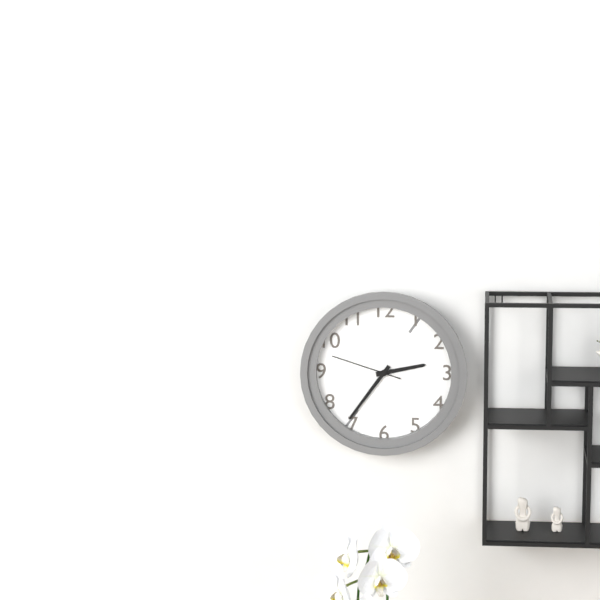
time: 2:36:48
